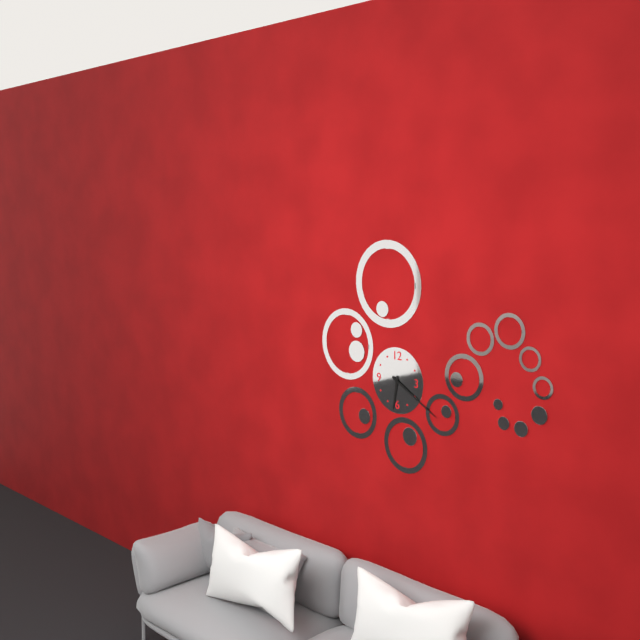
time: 6:20
